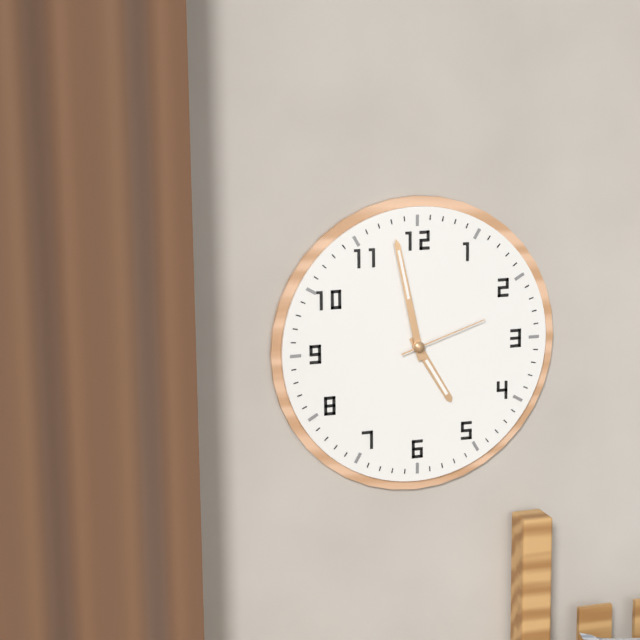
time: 4:58:12
